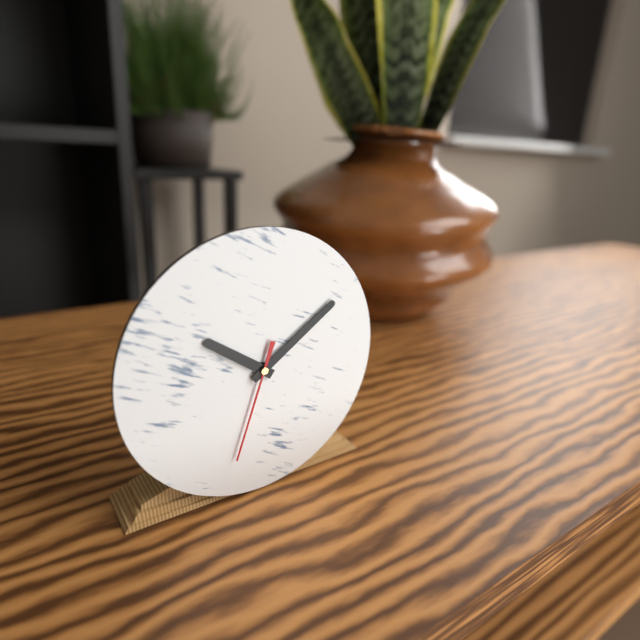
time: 10:09:33
